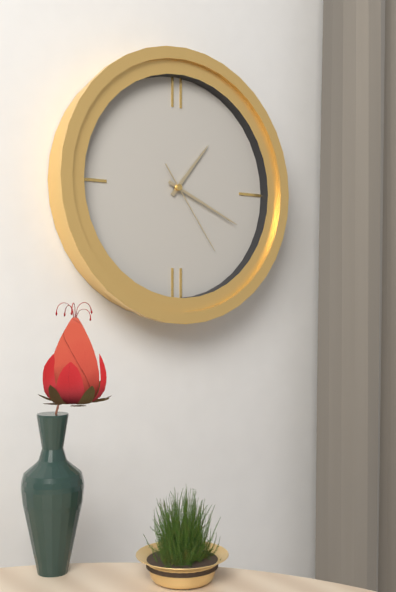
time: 1:19:24
